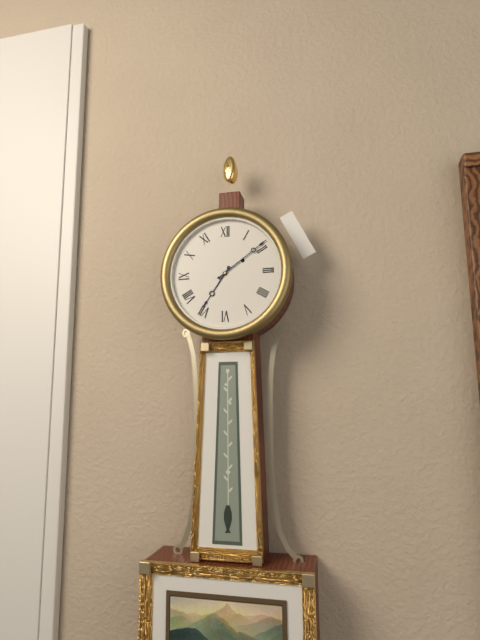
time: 7:09
